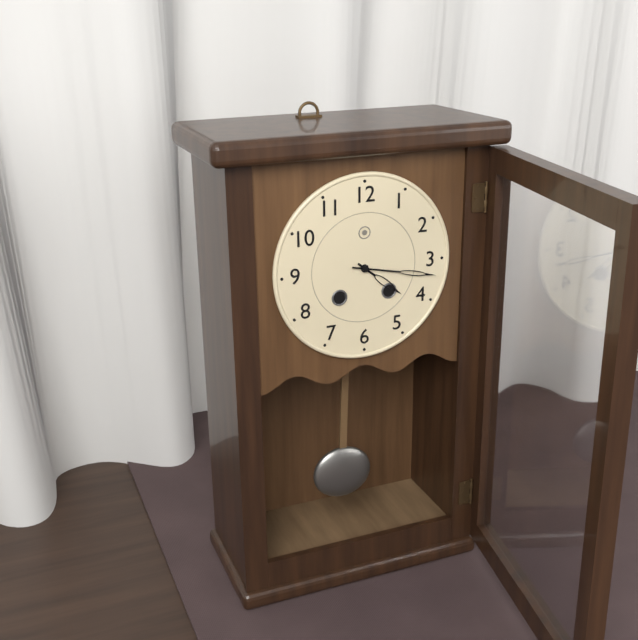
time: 4:17
